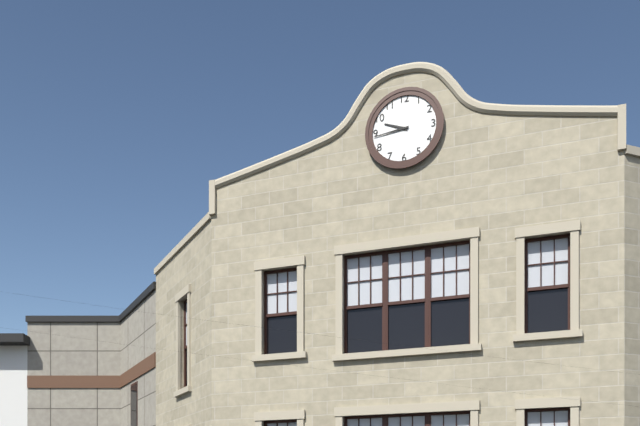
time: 9:44
